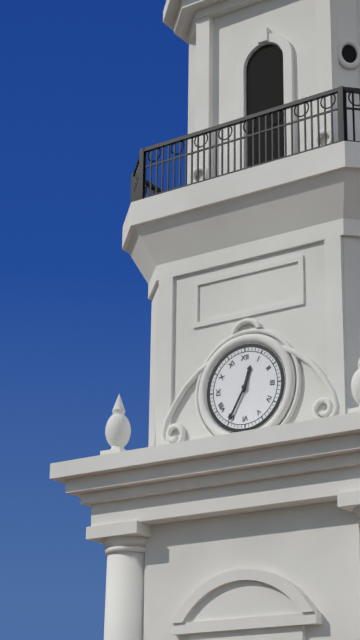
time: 12:35
